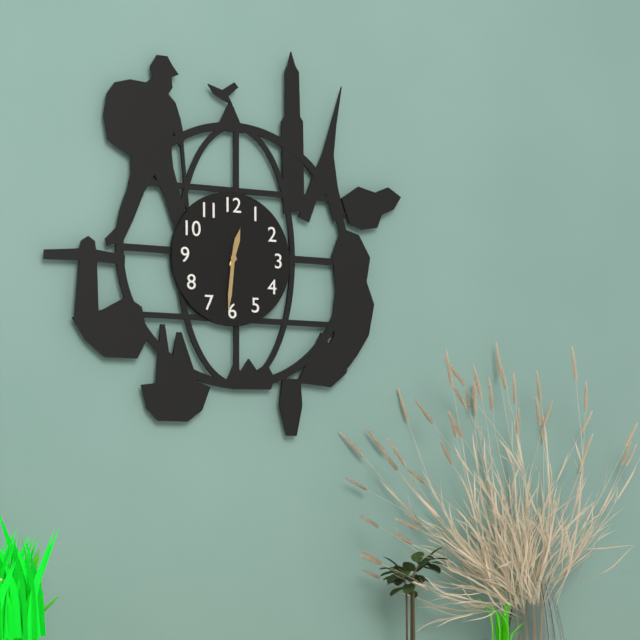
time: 12:31
